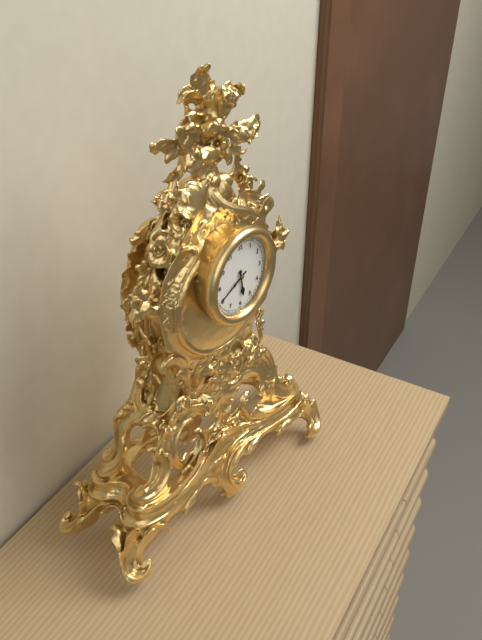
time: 5:41
